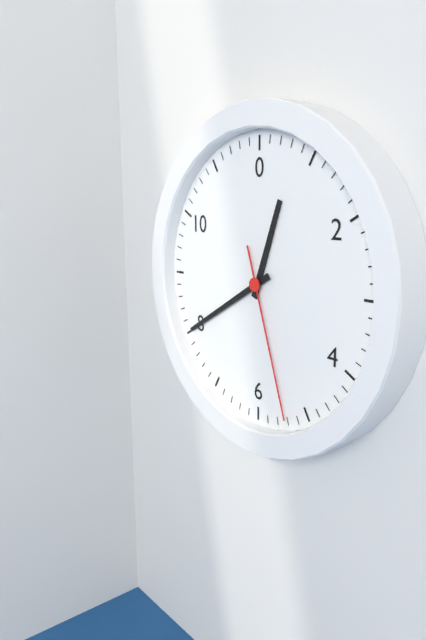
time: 12:40:27
